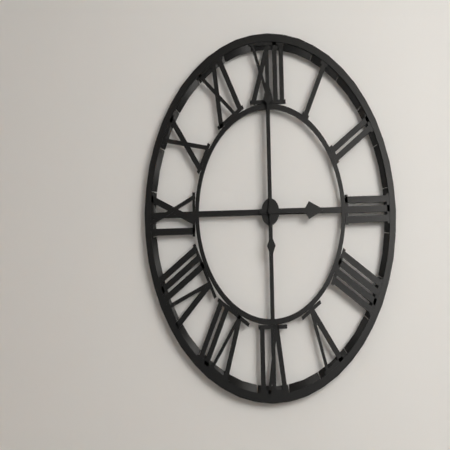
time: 3:00
